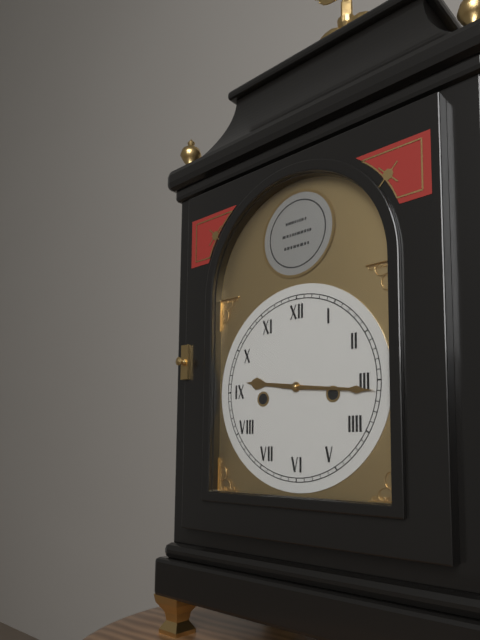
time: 9:16
